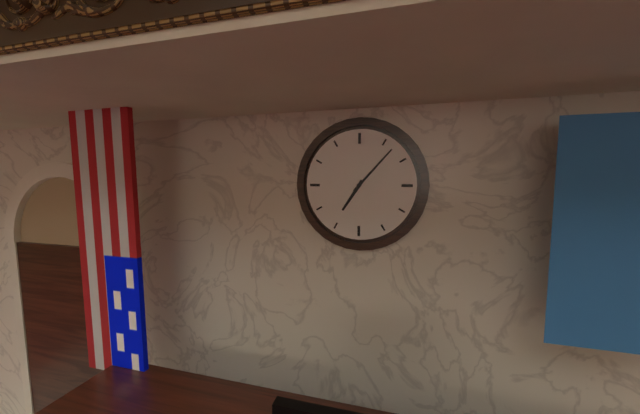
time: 7:07
